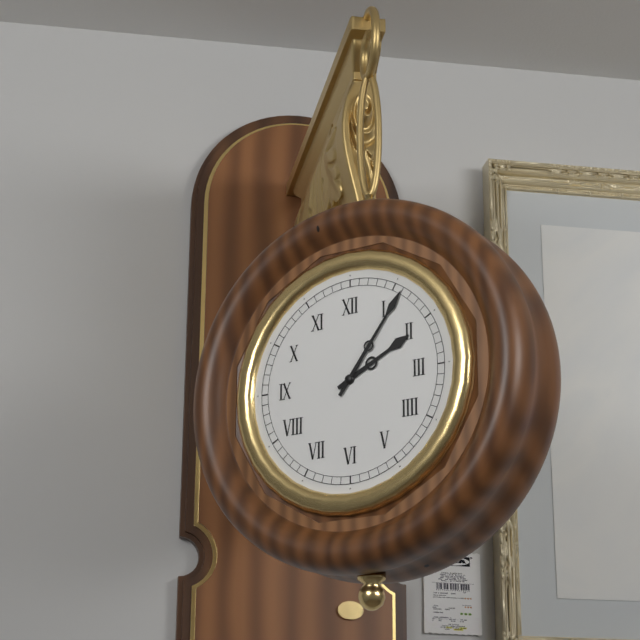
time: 2:06
